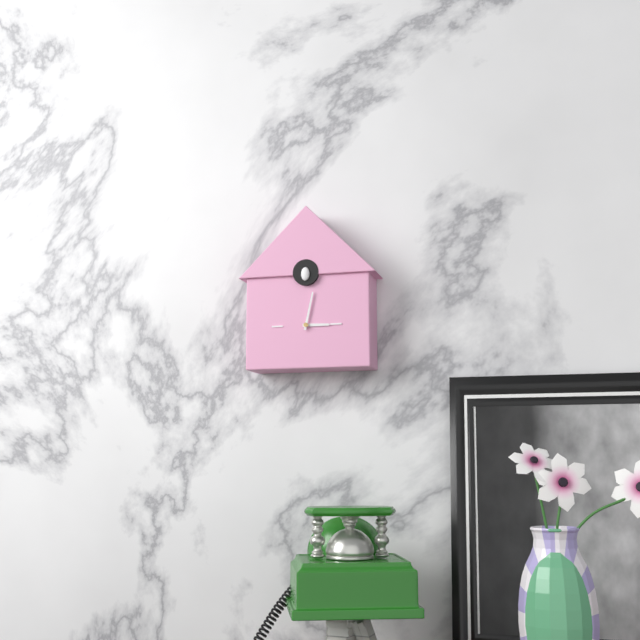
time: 3:02
